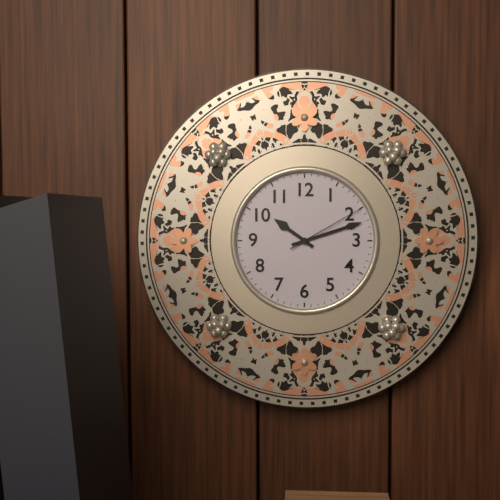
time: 10:12:10
